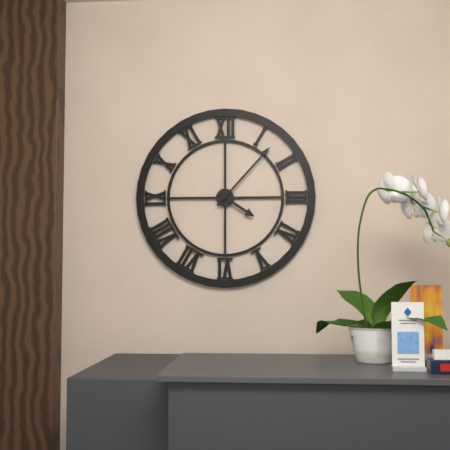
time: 4:07
